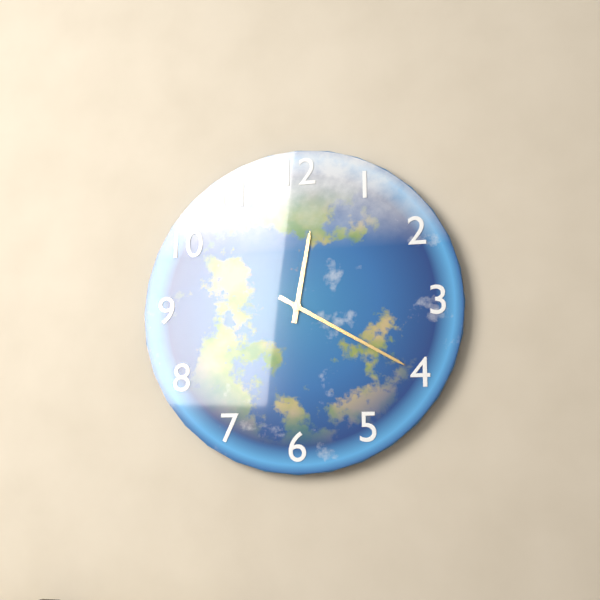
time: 12:20
